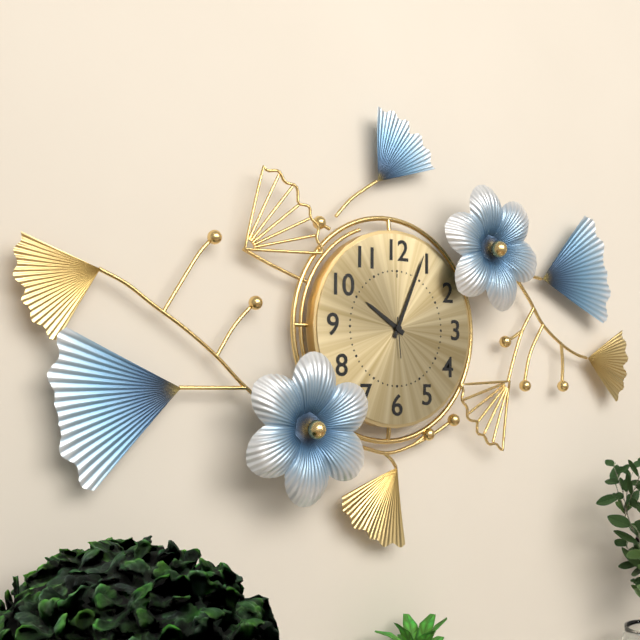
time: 10:04
